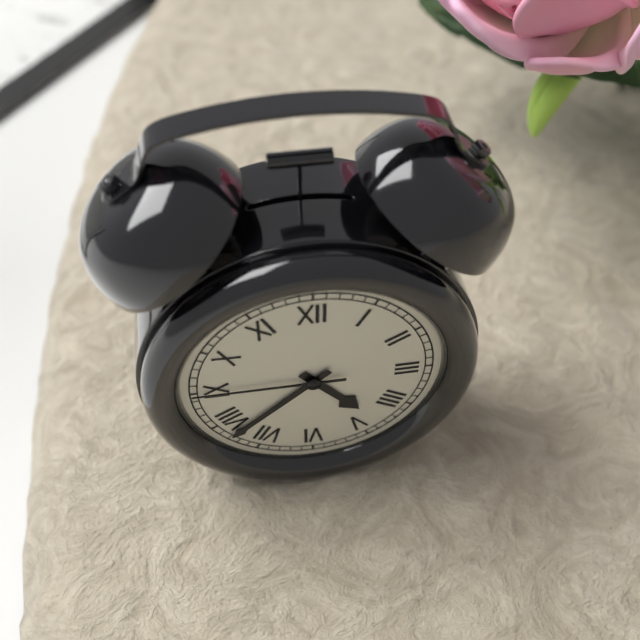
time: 4:38:45
